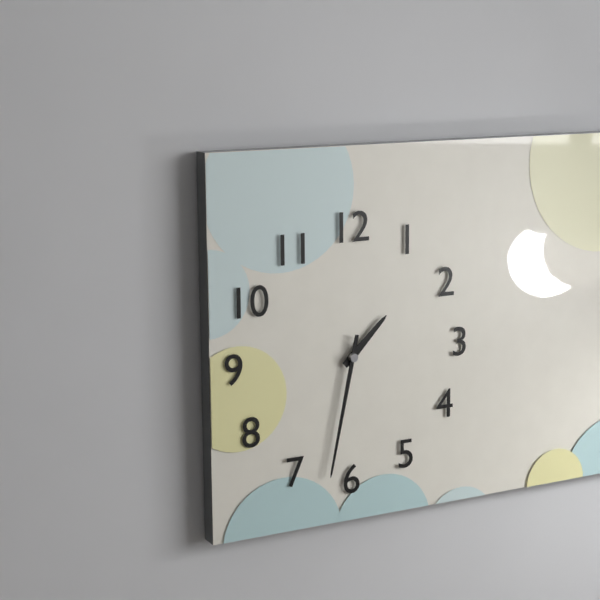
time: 1:32
